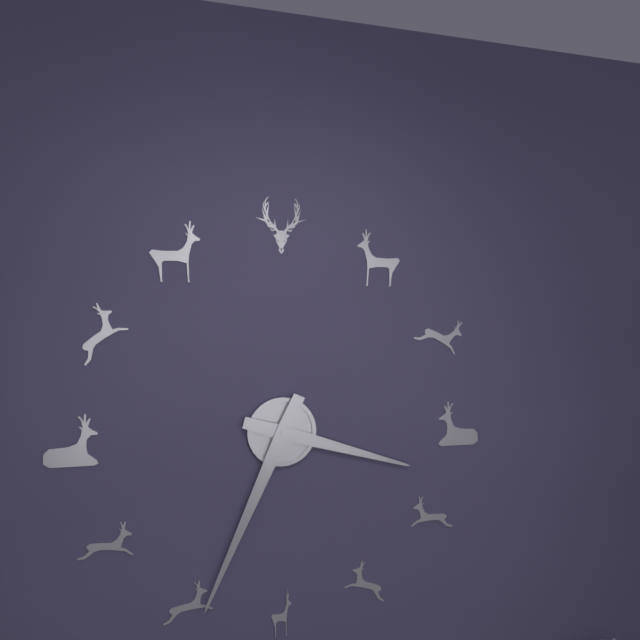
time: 3:34
